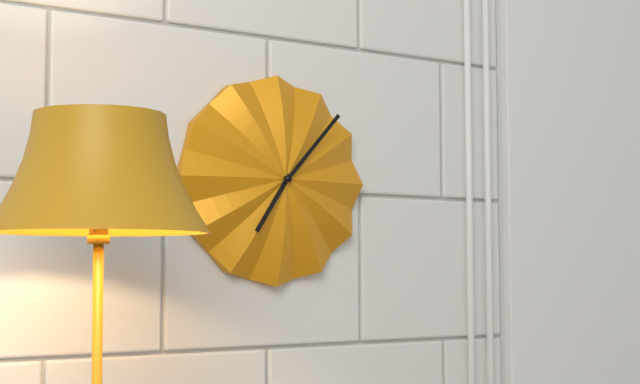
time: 7:07
